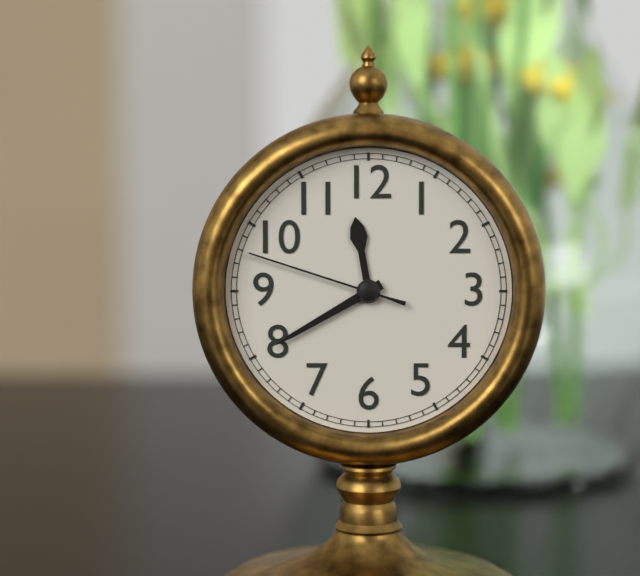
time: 11:40:48
